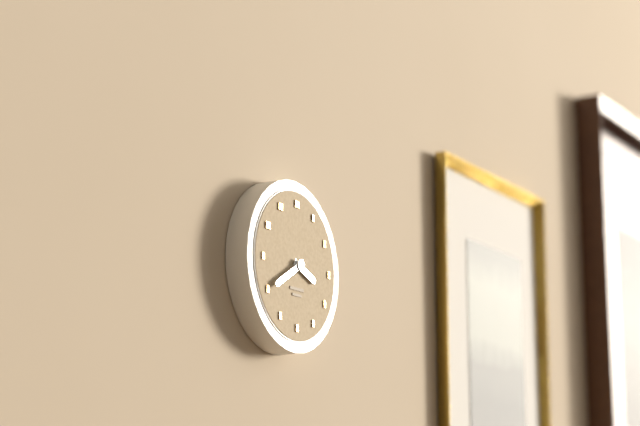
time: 3:40
